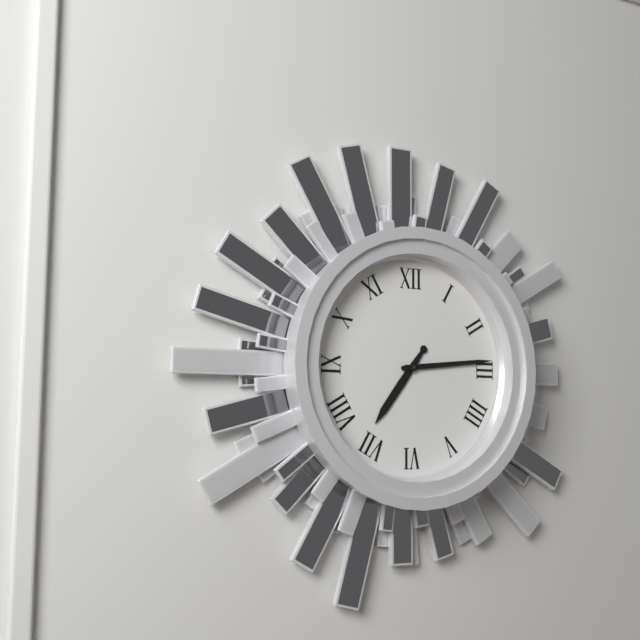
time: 7:14
